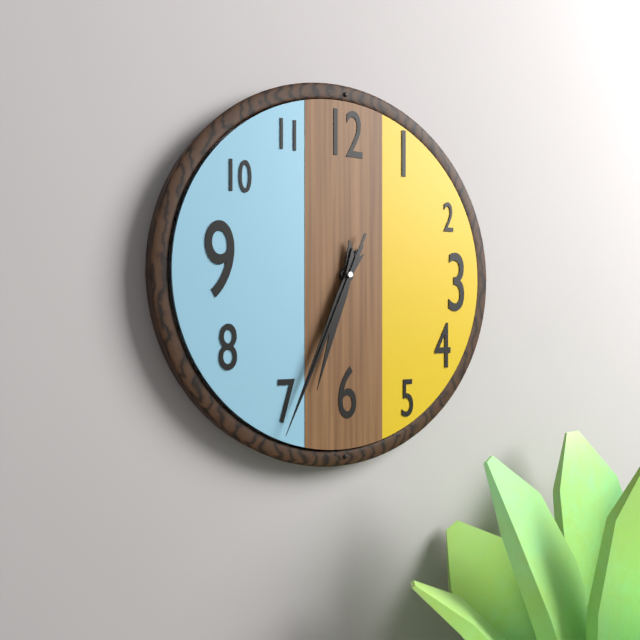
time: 6:34:34
